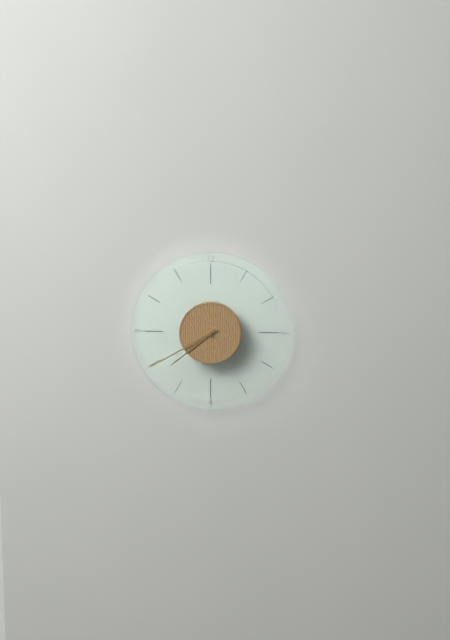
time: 7:40
